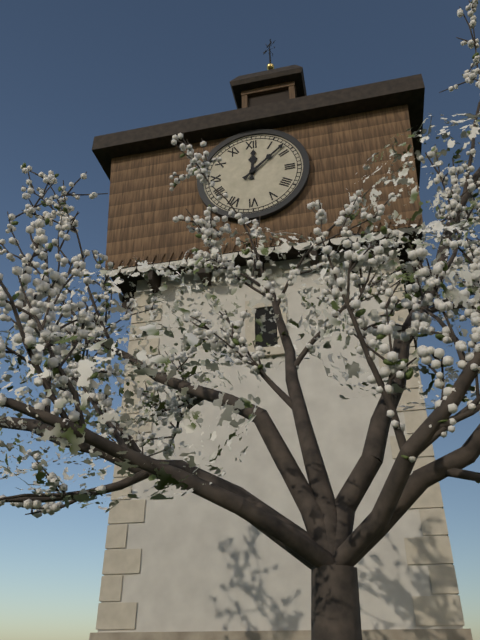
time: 12:08
